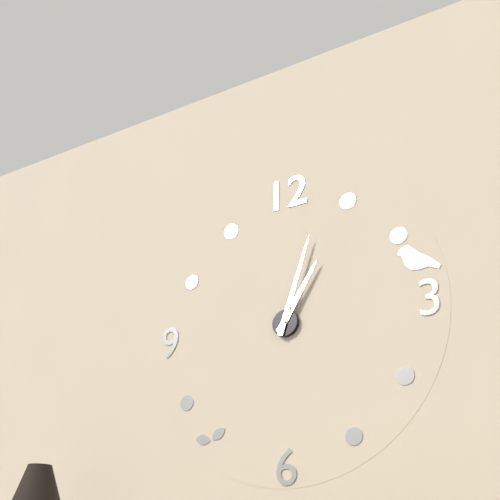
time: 1:03
